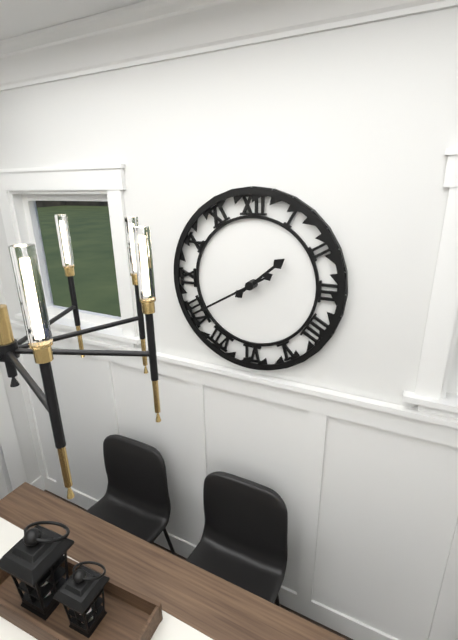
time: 1:40
